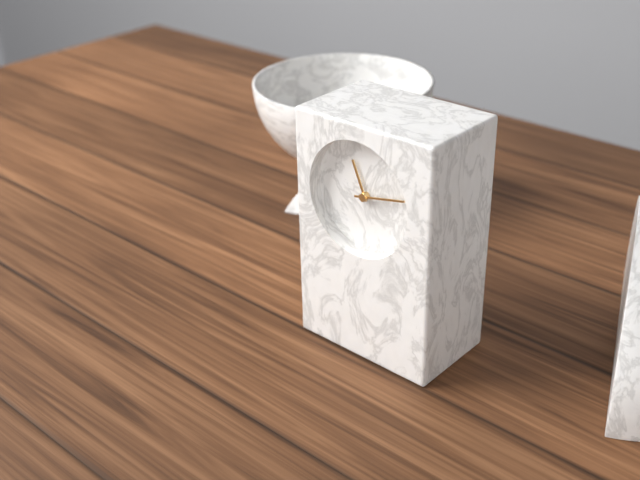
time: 11:13
